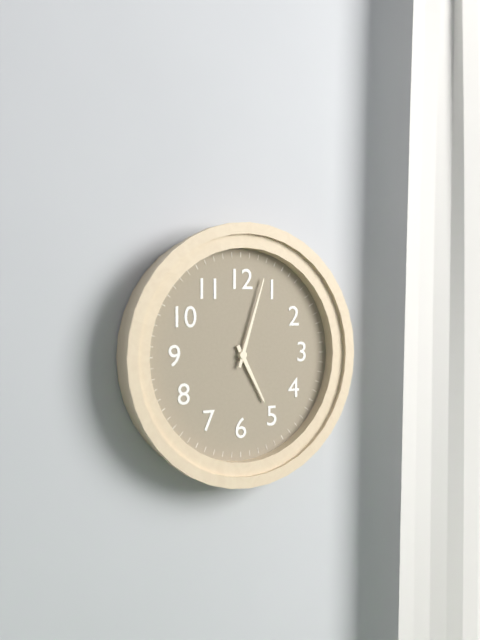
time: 5:03
